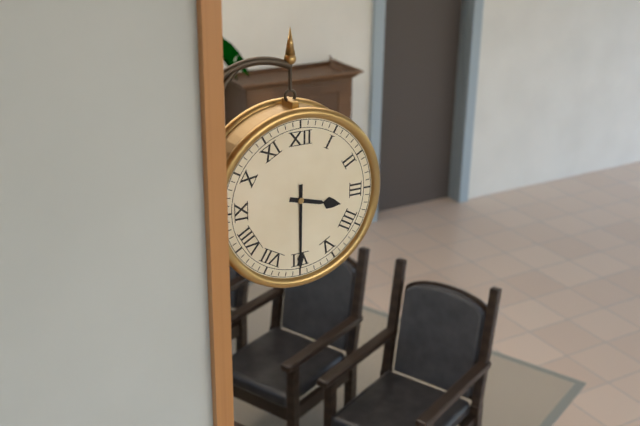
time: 3:30
